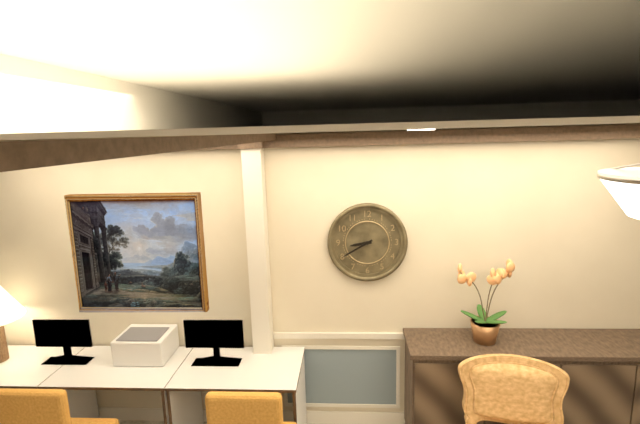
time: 8:40
